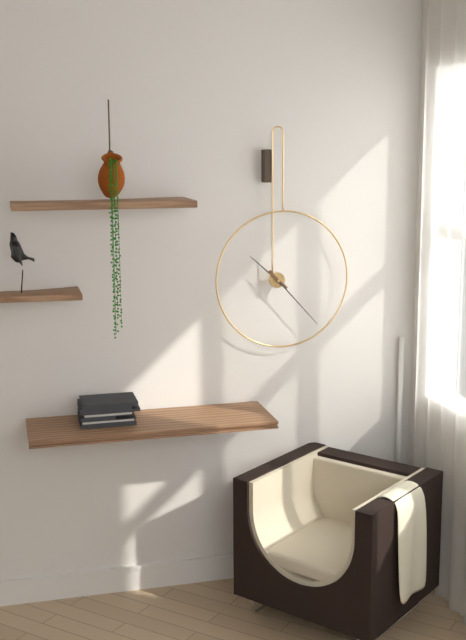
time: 10:23
